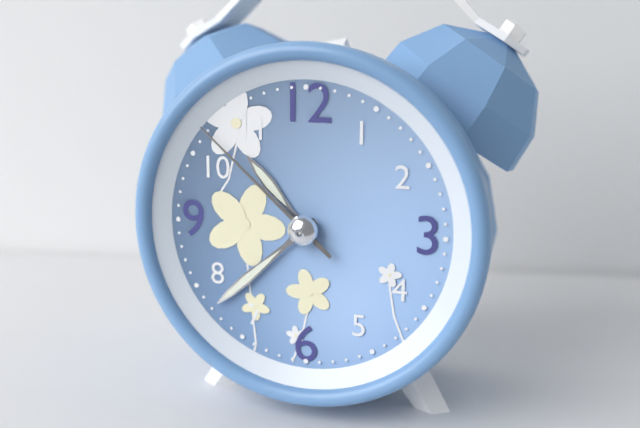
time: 10:38:52
